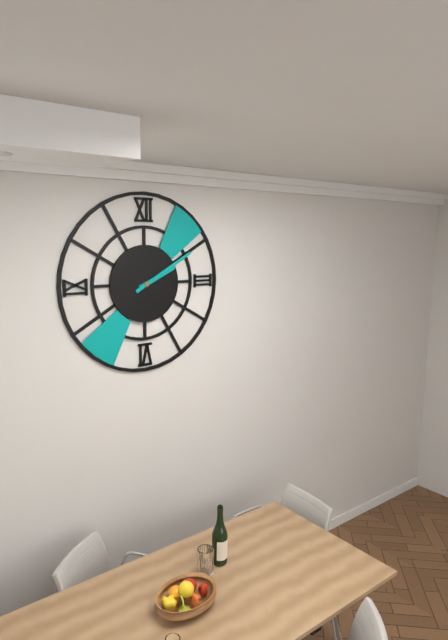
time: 2:10
